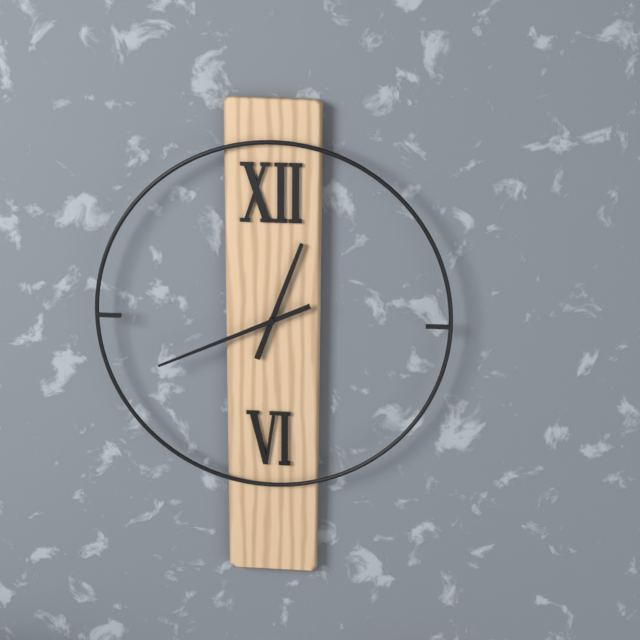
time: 12:41
